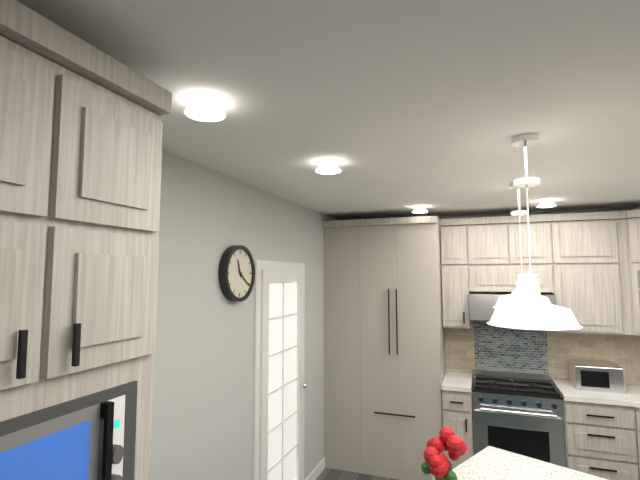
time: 11:21
